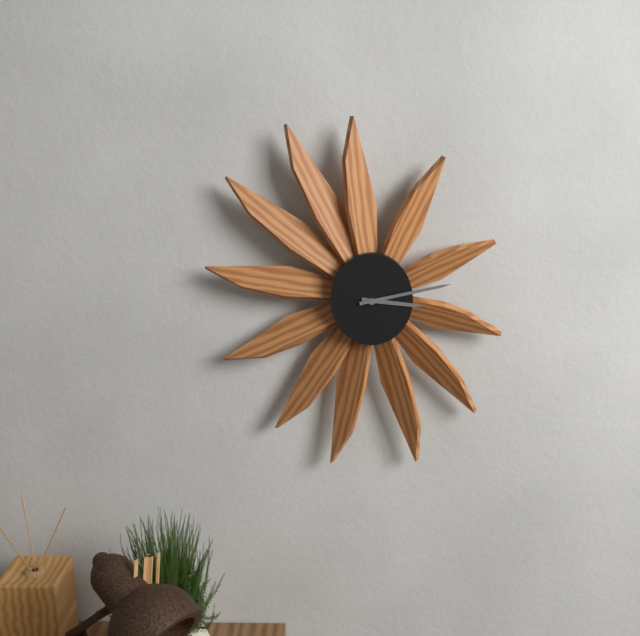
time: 3:13
